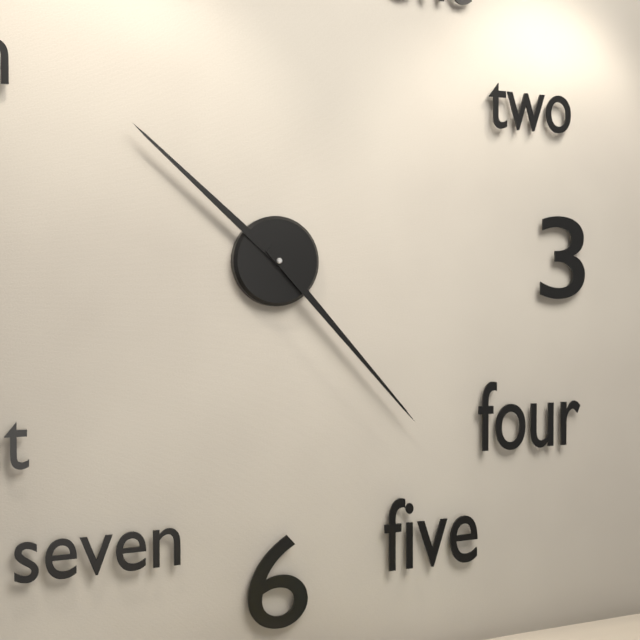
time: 10:23
